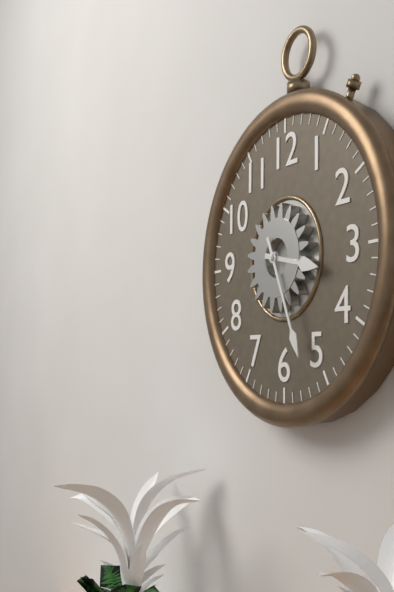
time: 3:26
